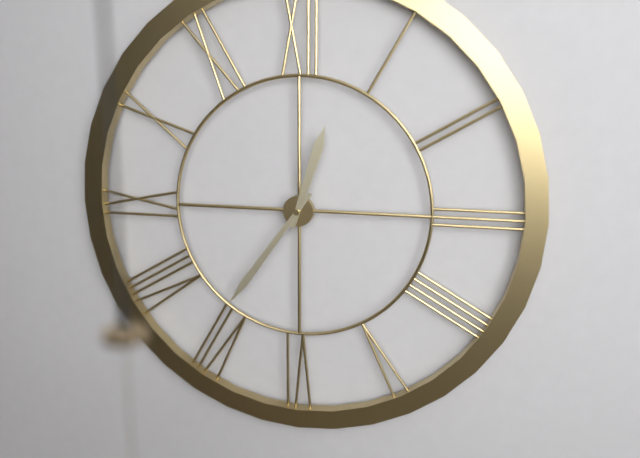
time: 12:36
